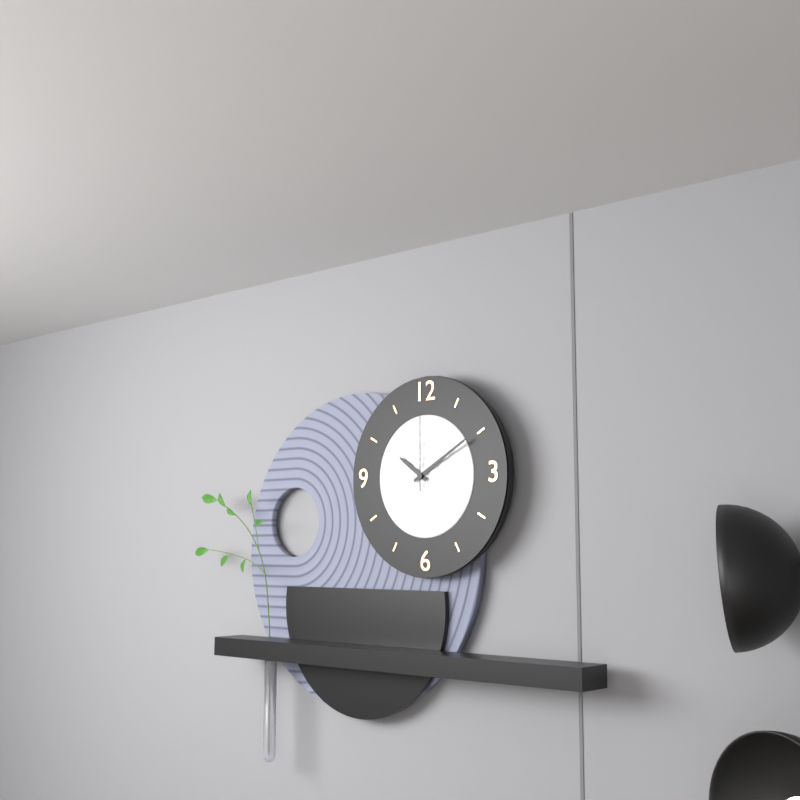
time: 10:10:00
